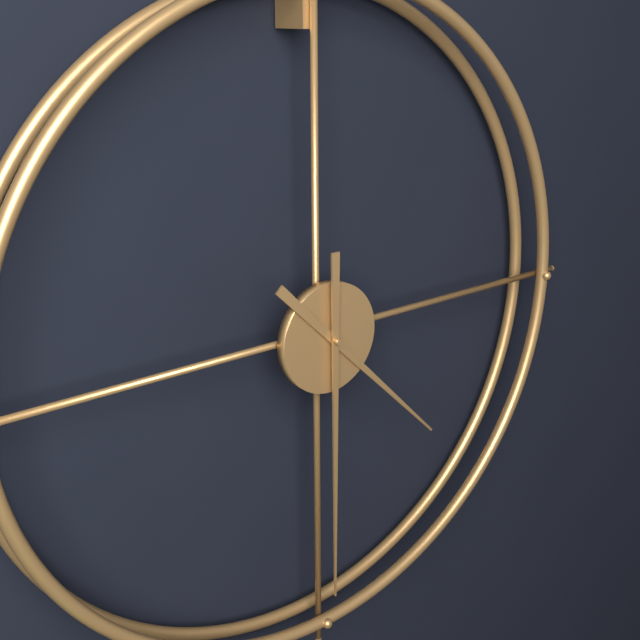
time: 4:30
